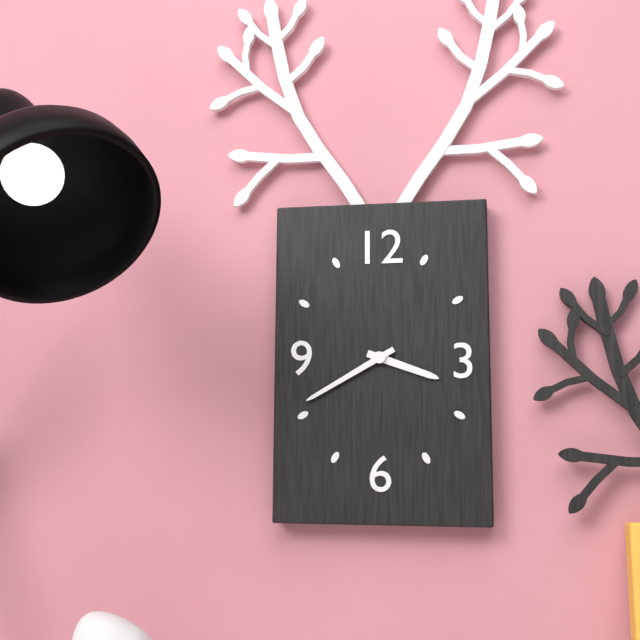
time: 3:40
